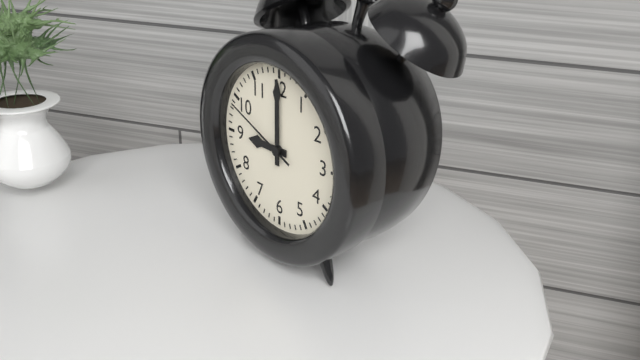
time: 9:00:49
